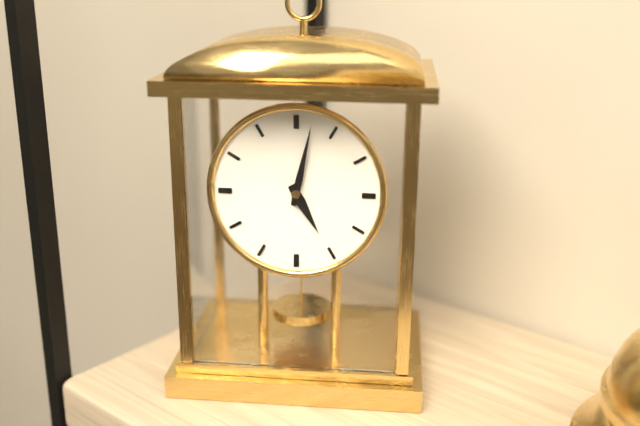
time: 5:02
